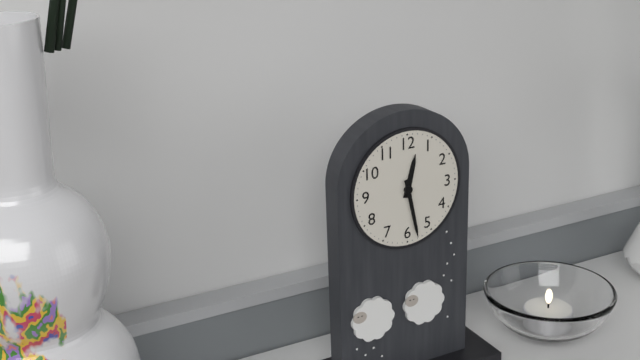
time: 12:28
